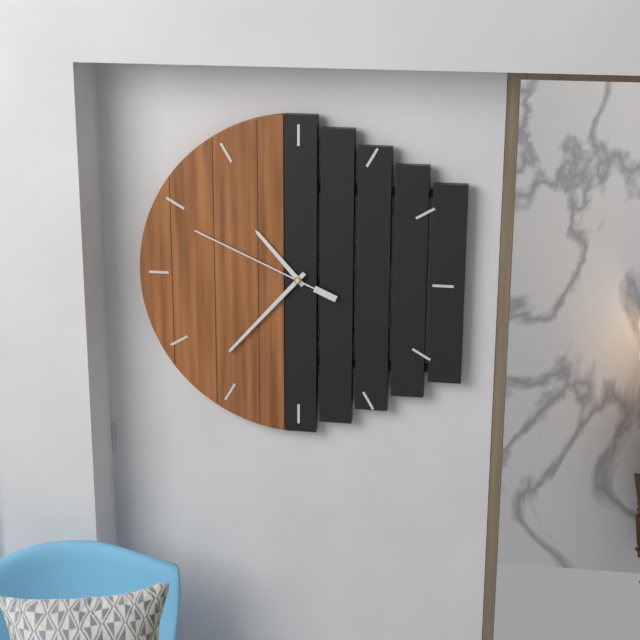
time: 10:37:49
